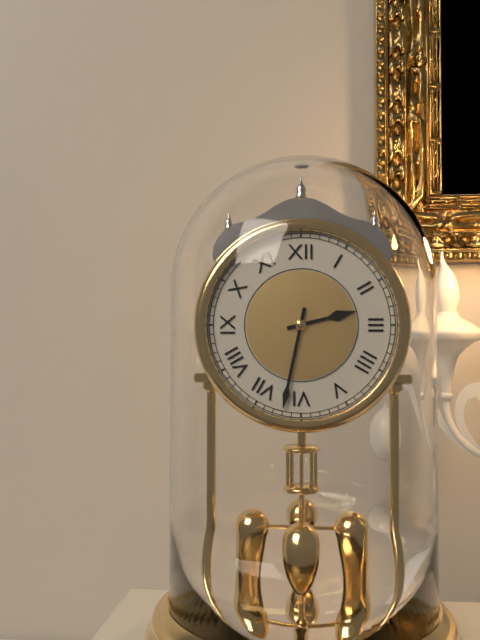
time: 2:32
